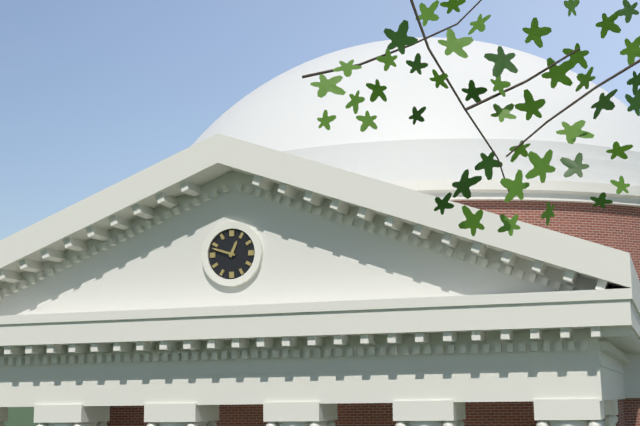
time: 12:48
